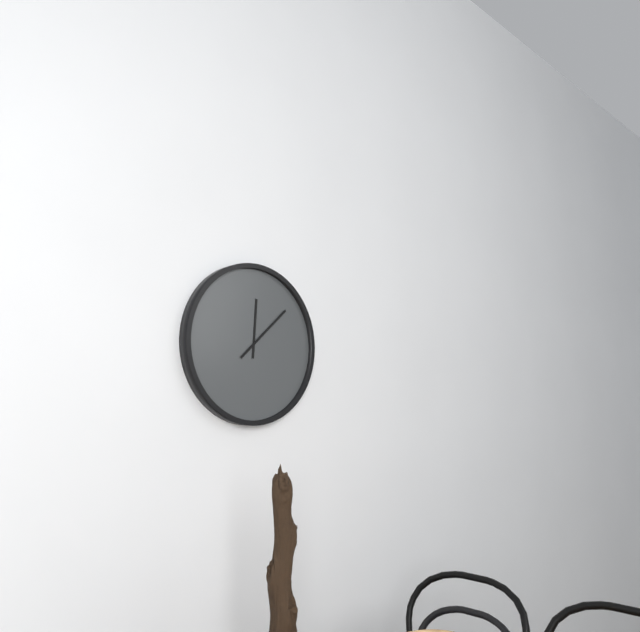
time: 12:08
